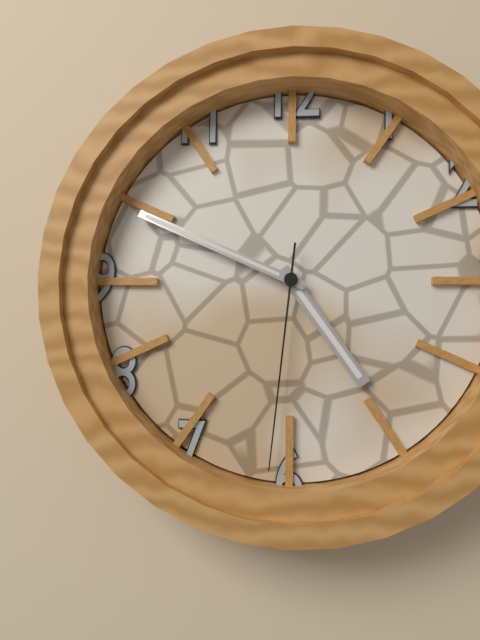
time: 4:49:31
